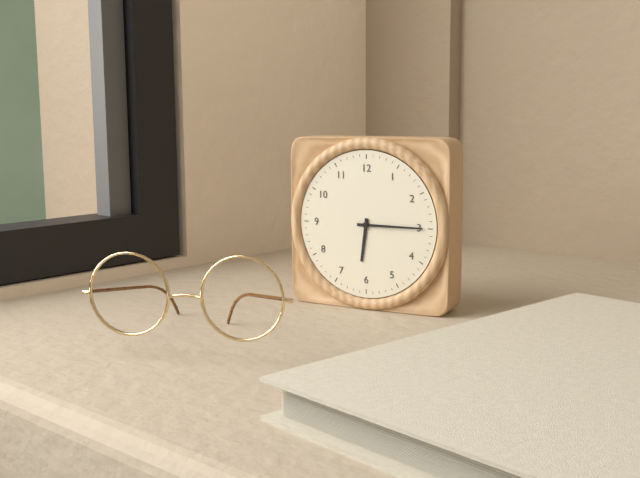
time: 6:15
